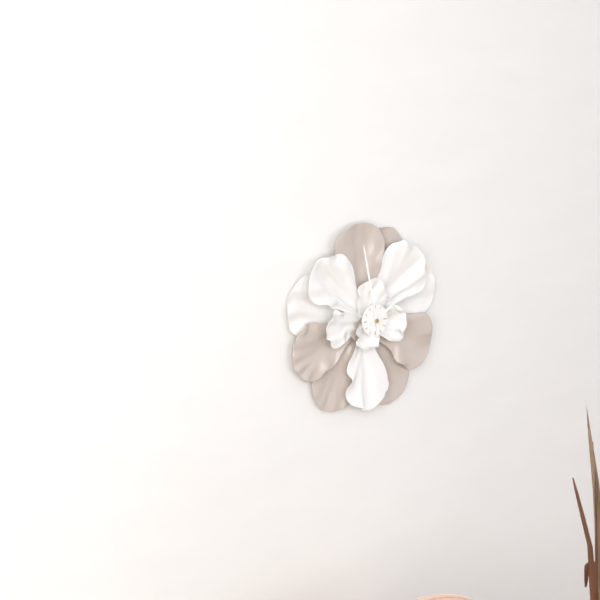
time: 1:58
